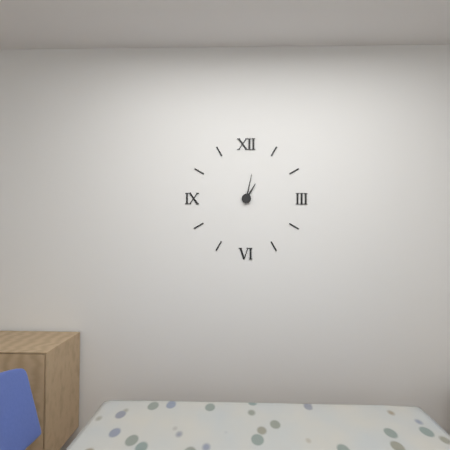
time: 1:02
